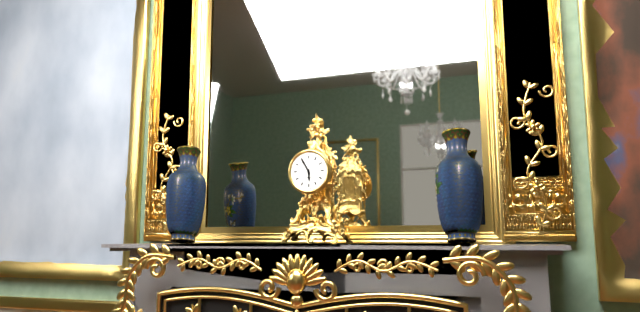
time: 5:55
